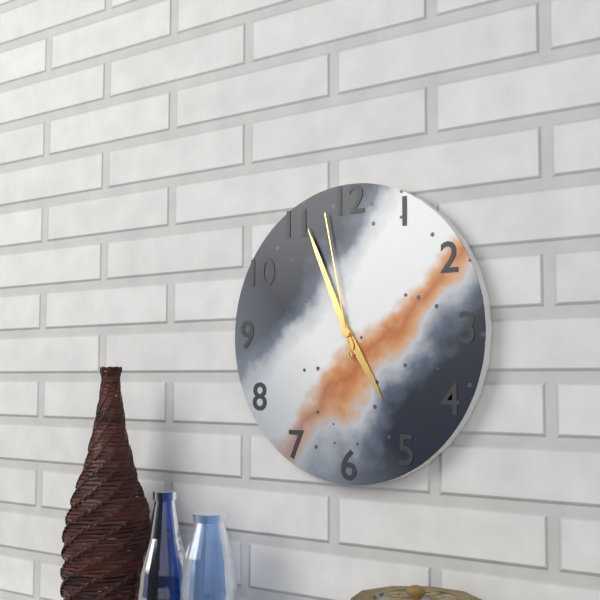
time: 4:56:58
